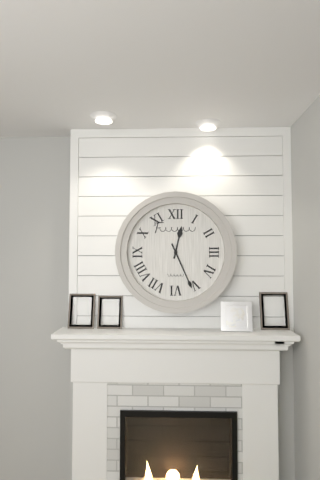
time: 12:26
